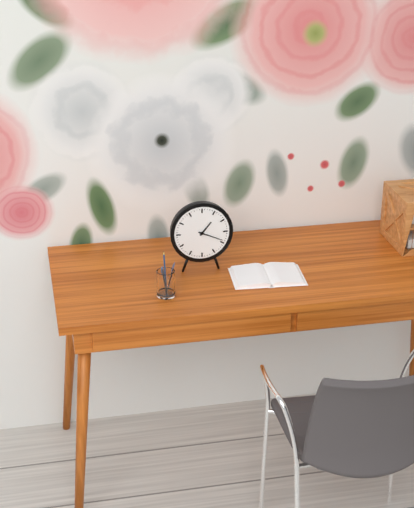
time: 1:19
